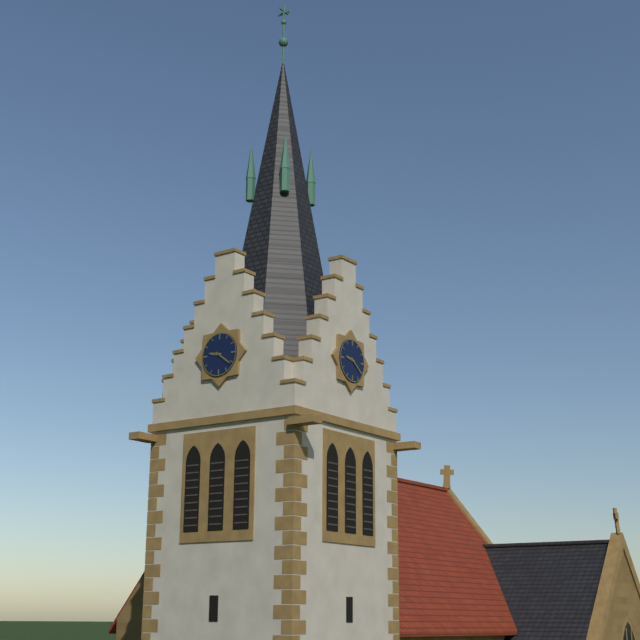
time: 9:21
